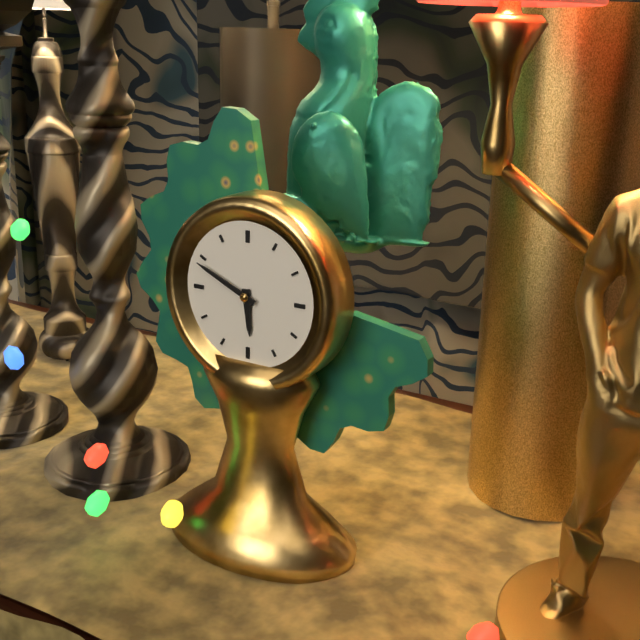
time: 5:49
